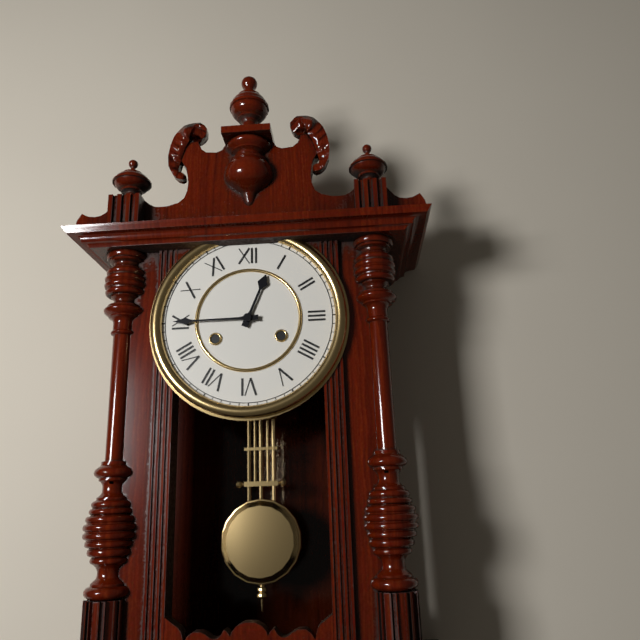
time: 12:45
